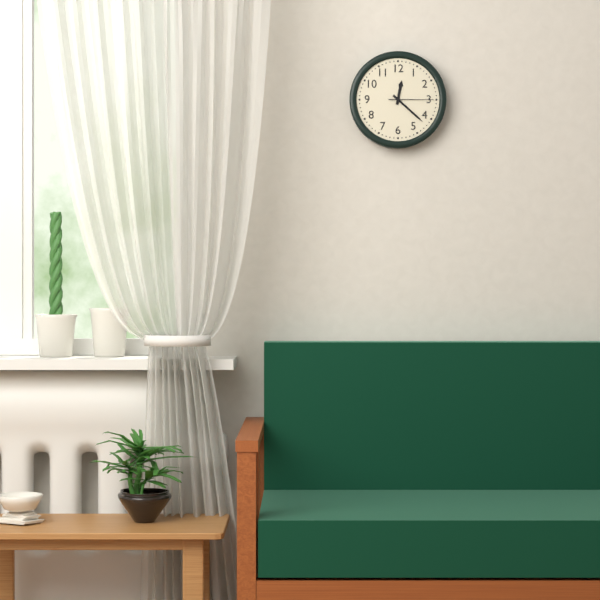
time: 12:22
